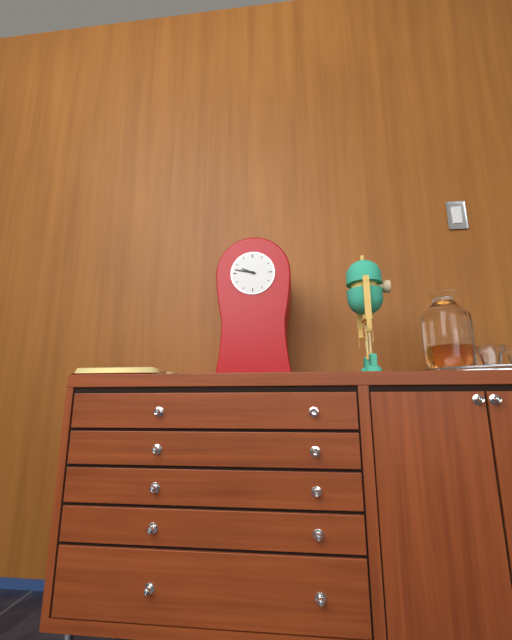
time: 9:47
